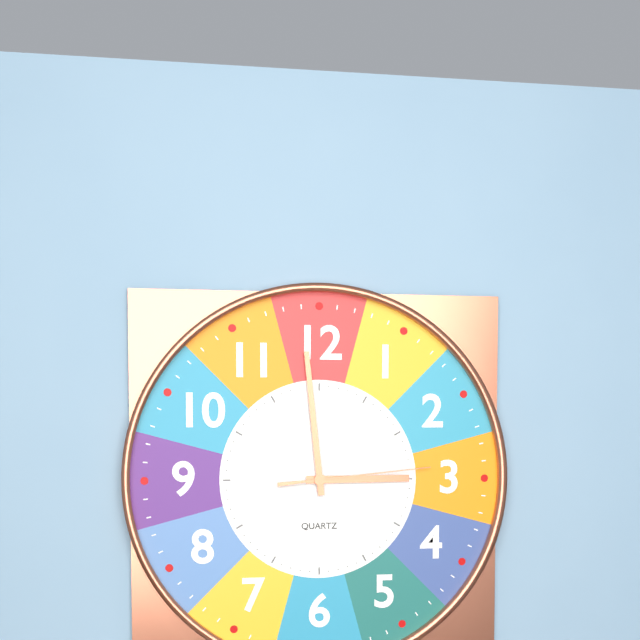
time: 2:59:14
